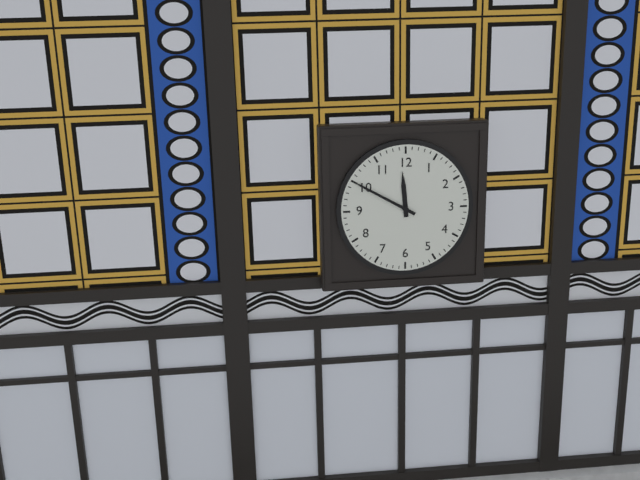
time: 11:50
